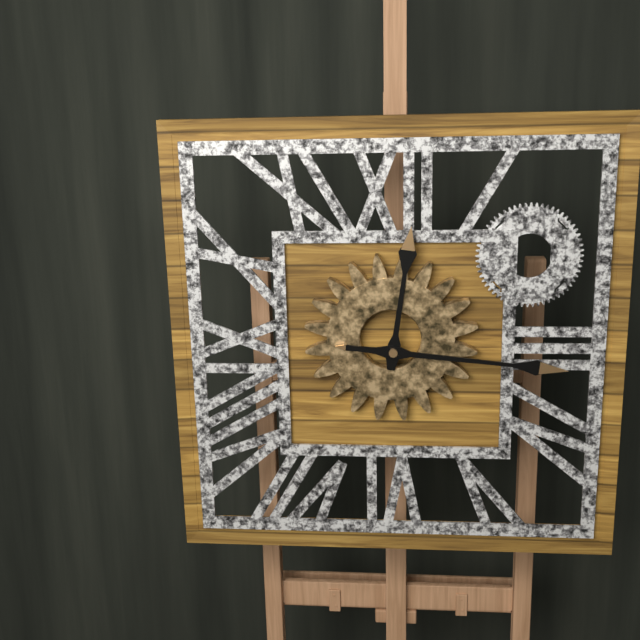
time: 12:16
